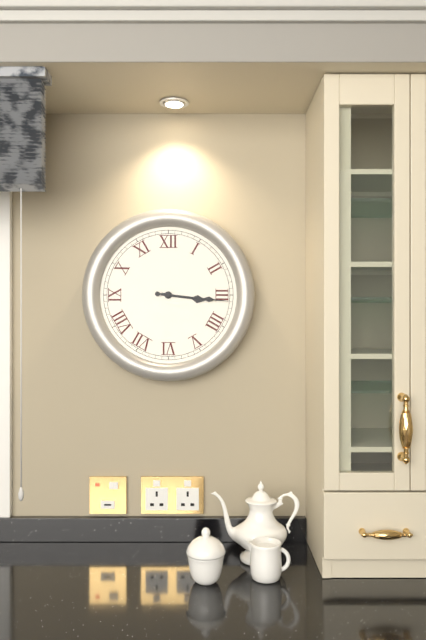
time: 3:16
